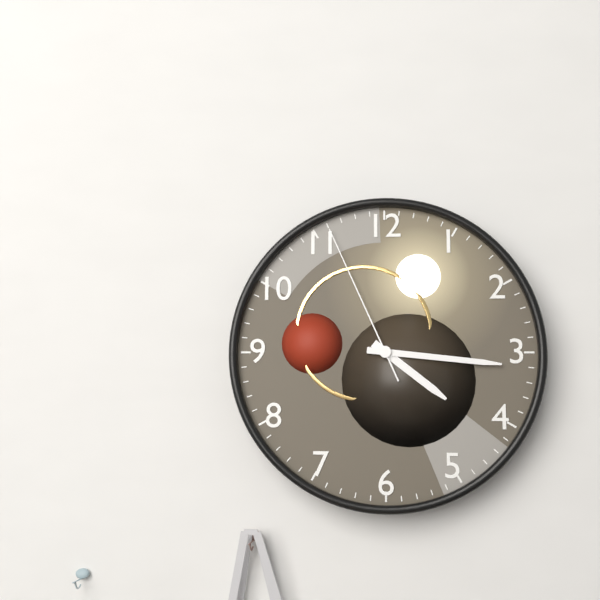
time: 4:16:56
